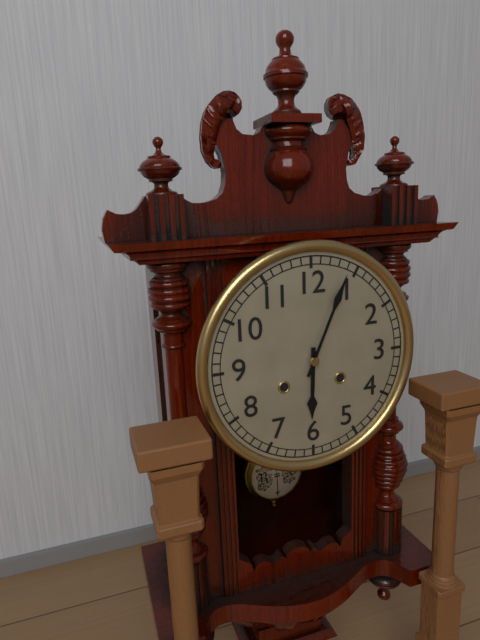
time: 6:04
